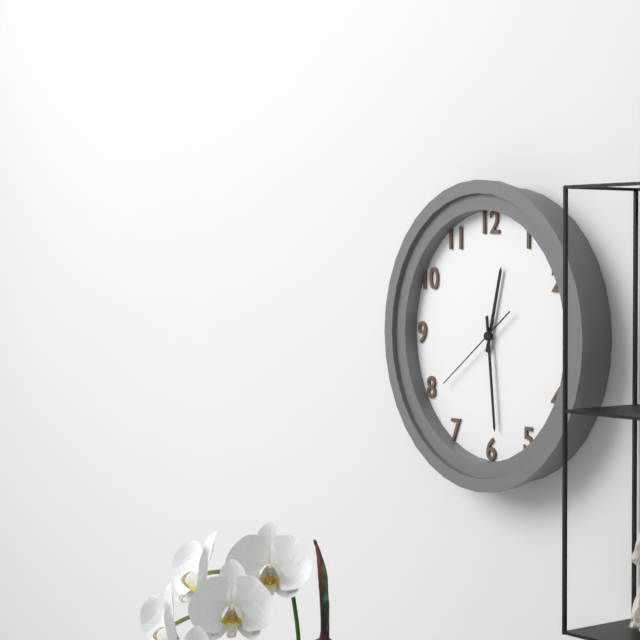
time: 12:29:39
